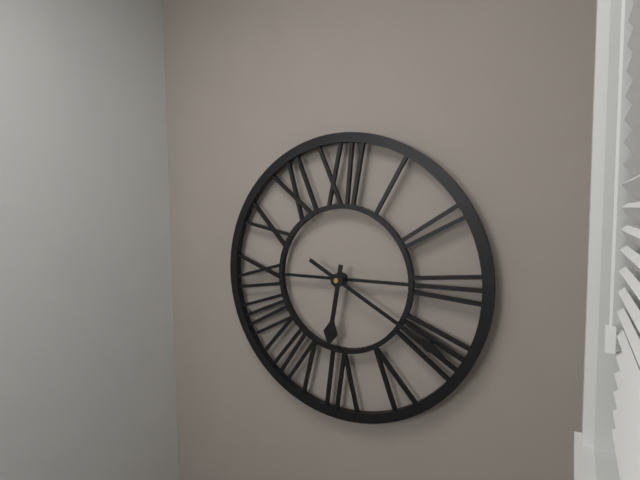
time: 6:20
